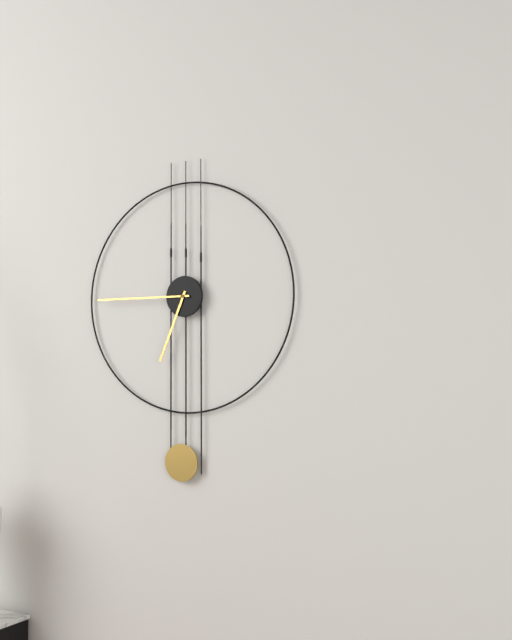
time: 6:45
